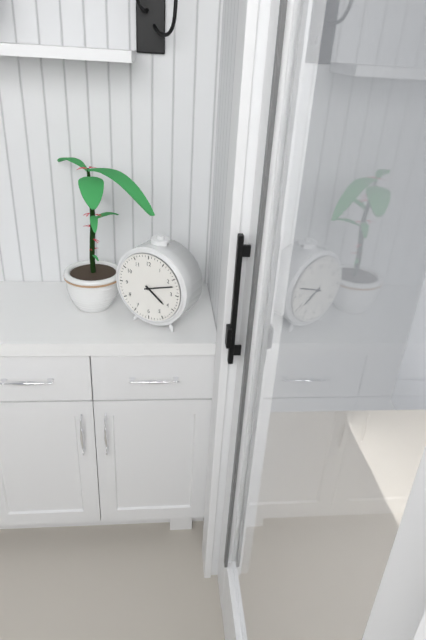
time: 4:12
